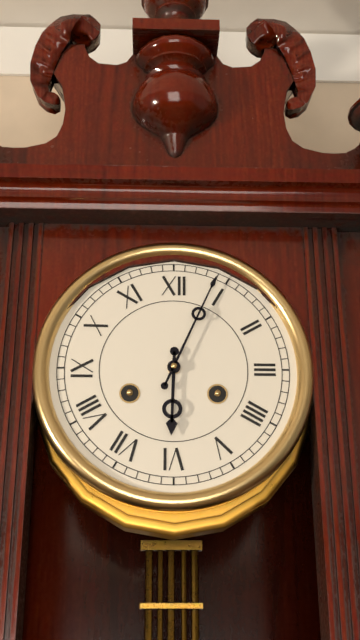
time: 6:04
